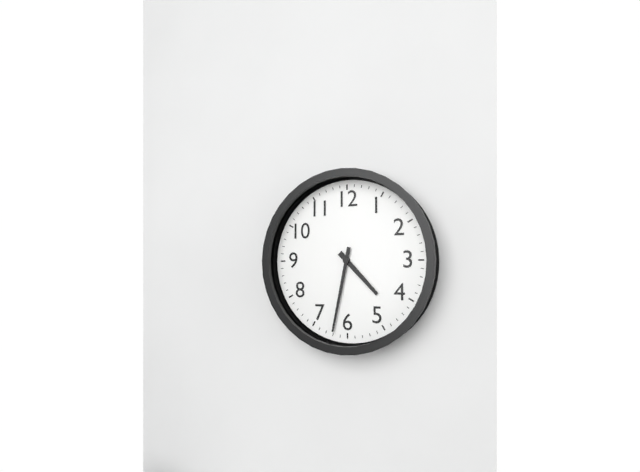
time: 4:32
